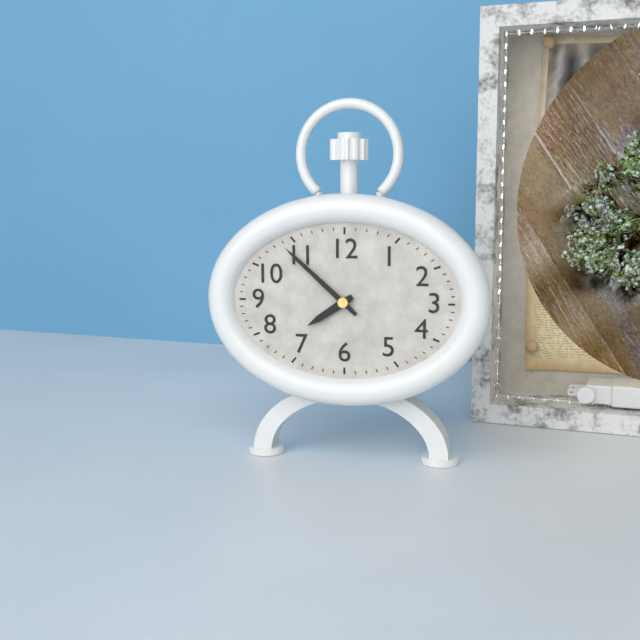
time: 7:52
